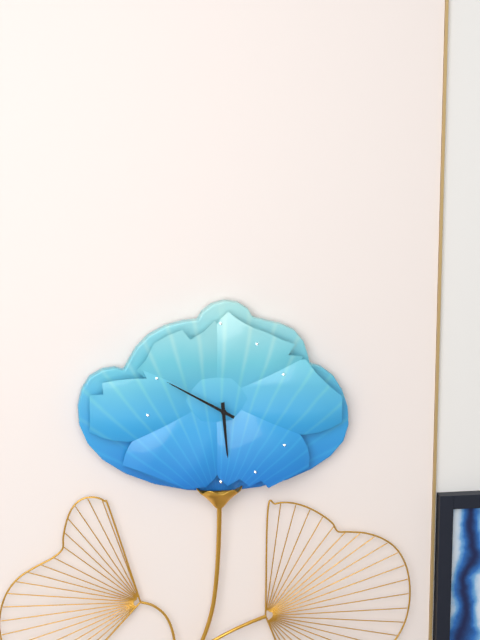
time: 5:50
